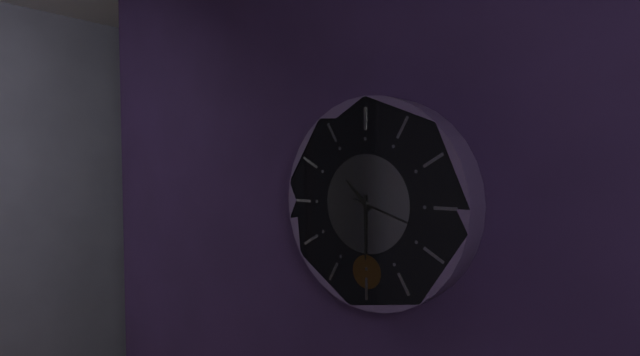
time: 10:30
